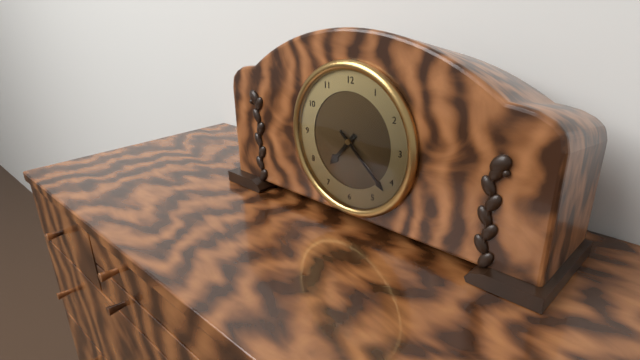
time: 7:22
